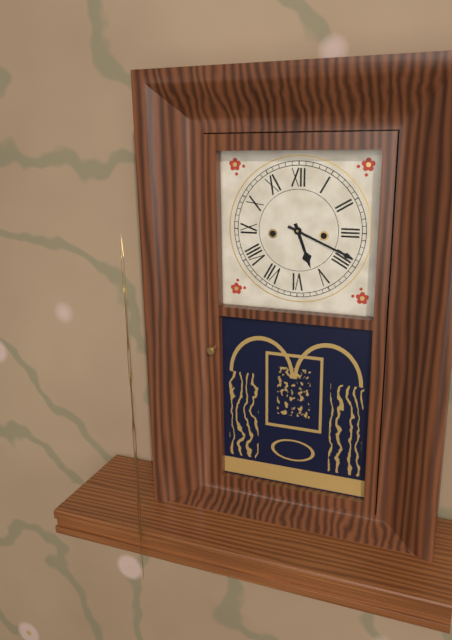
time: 5:19
